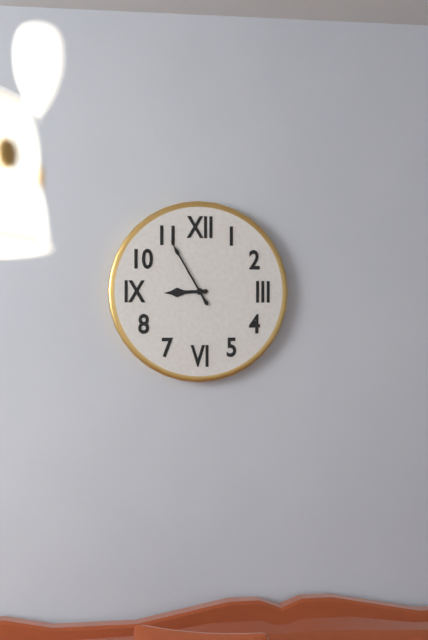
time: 8:55
